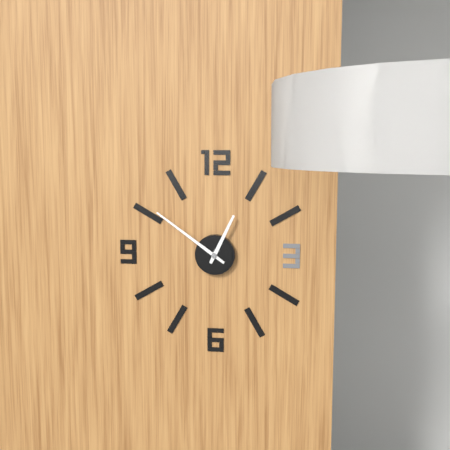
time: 12:51
